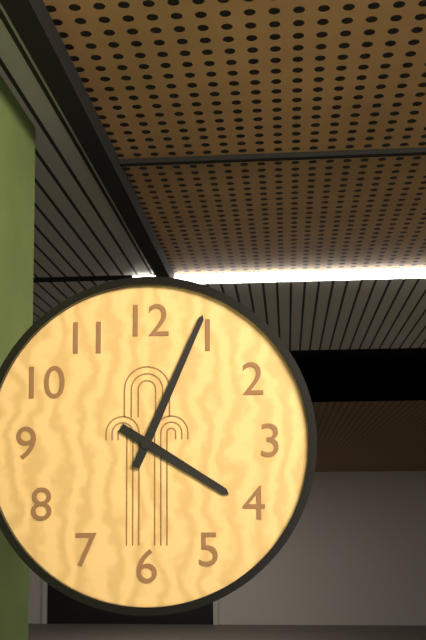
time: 4:04
